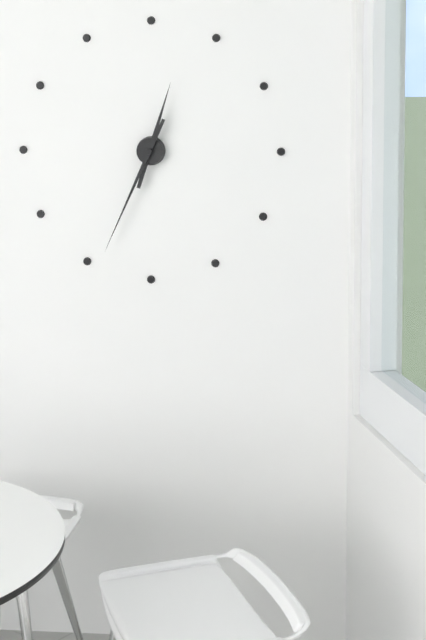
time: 12:34
